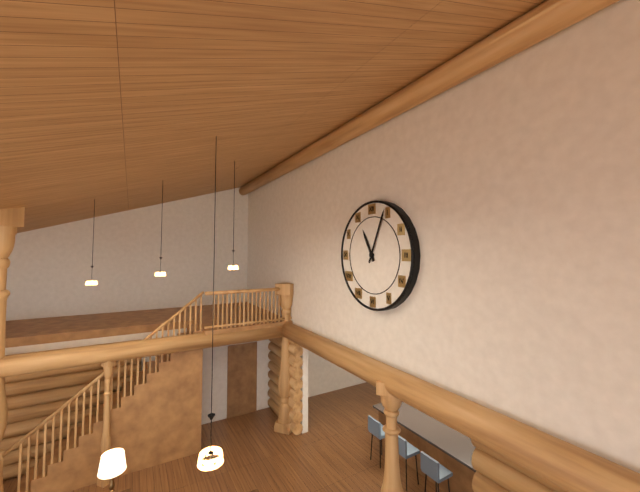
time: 11:04
